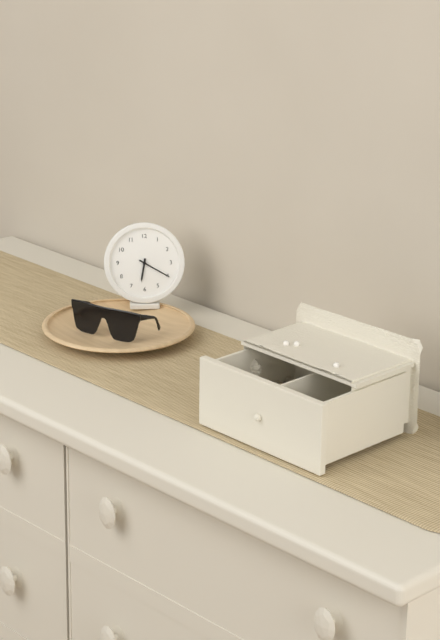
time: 6:20
